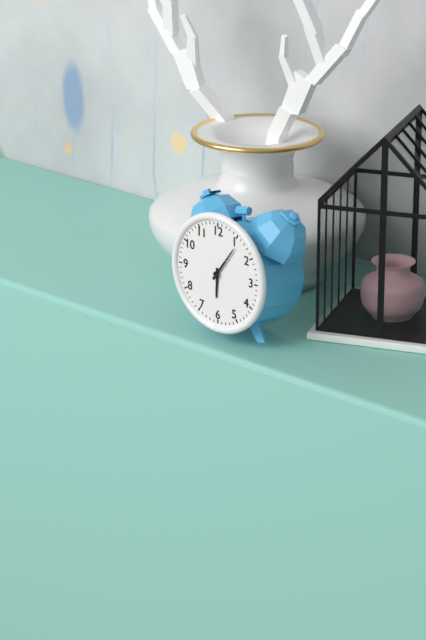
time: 6:06
